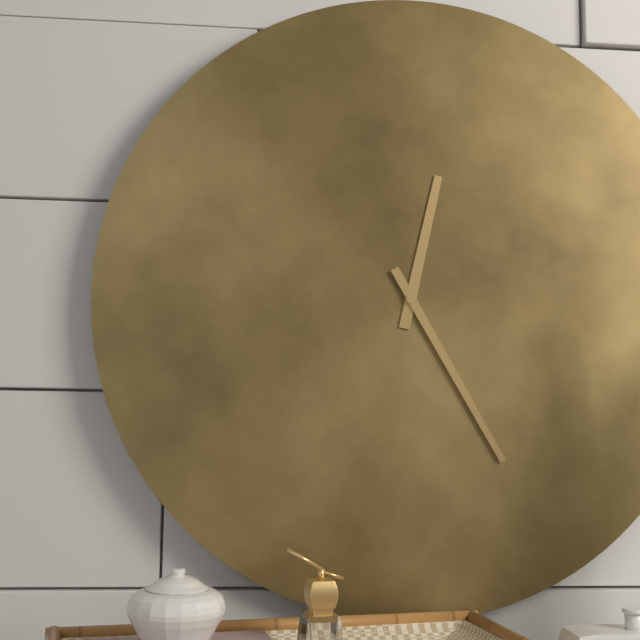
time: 12:25
